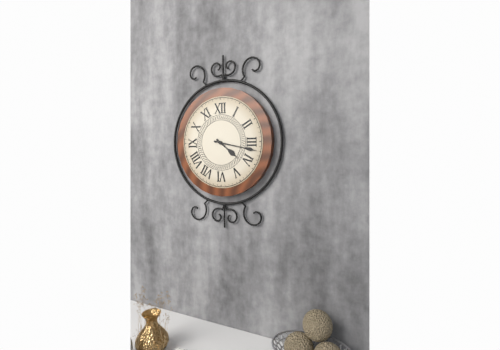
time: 4:17
